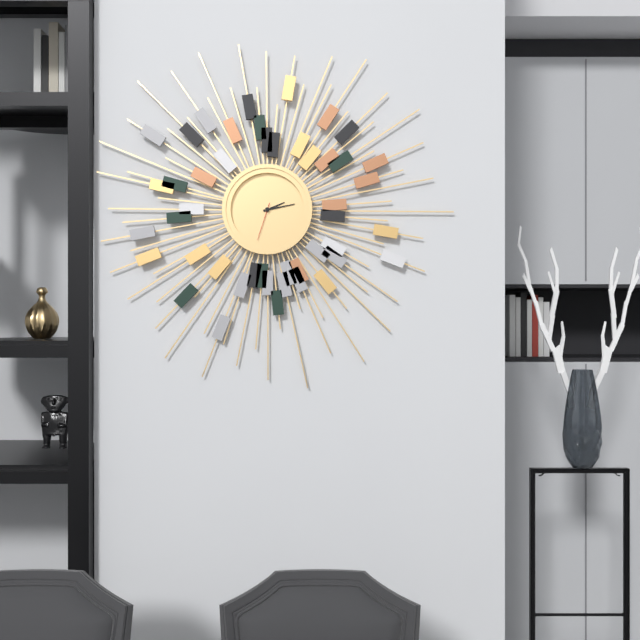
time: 2:13
